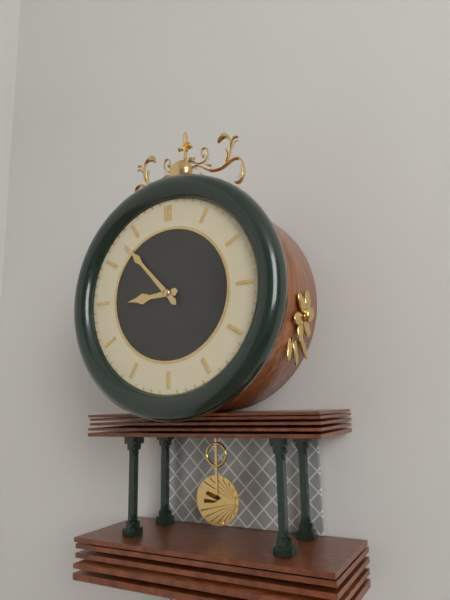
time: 8:53
